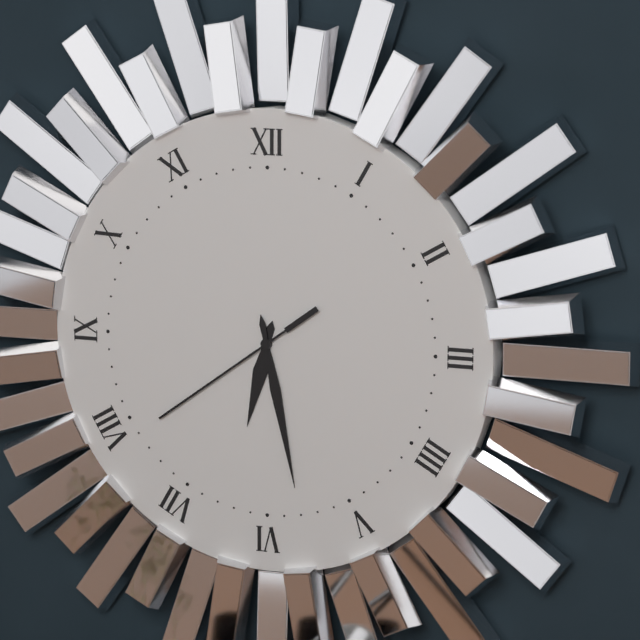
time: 6:28:39
